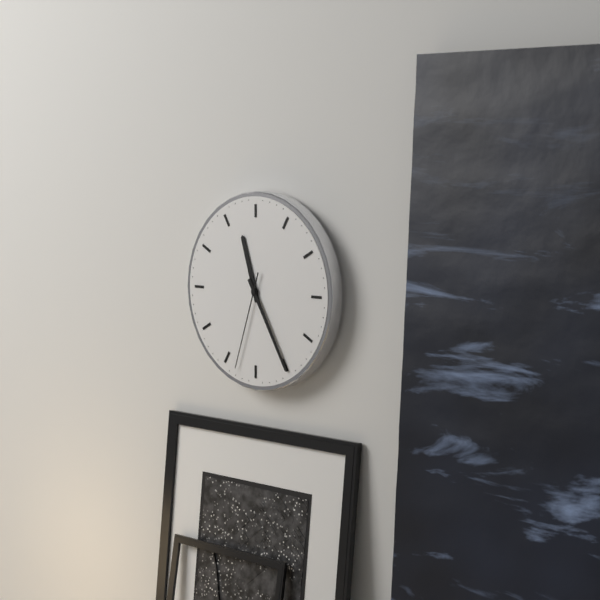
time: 11:25:33
